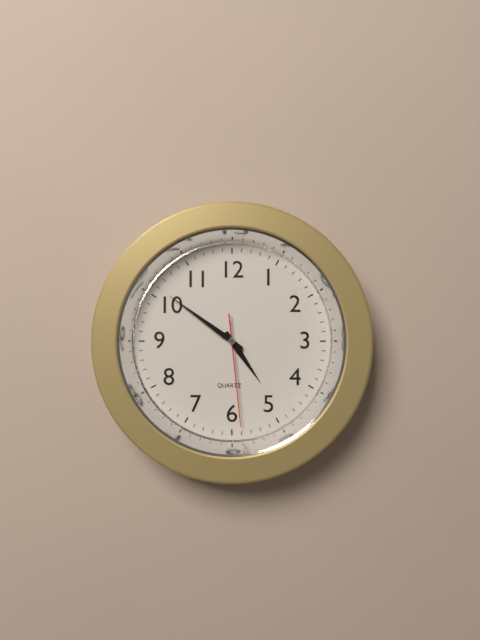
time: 4:51:29
